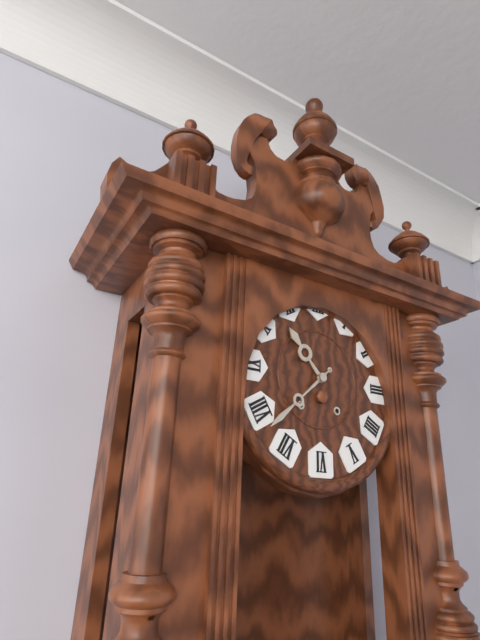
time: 10:38
